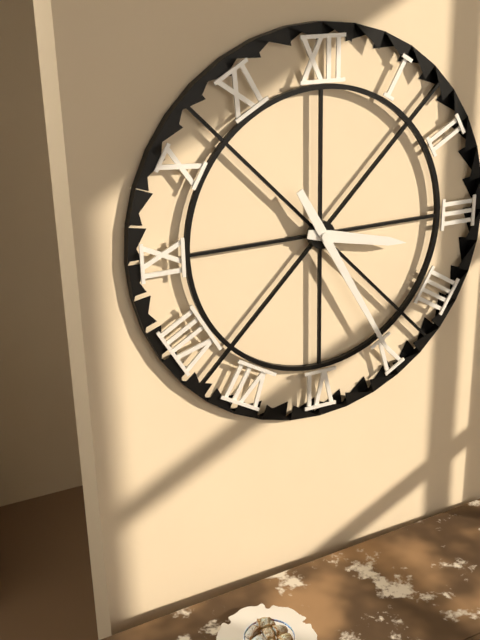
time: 3:25
